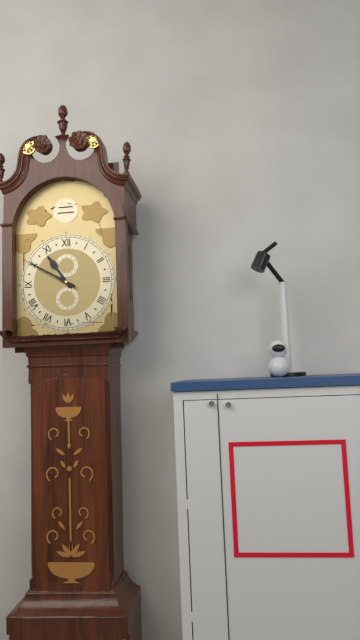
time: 10:50
